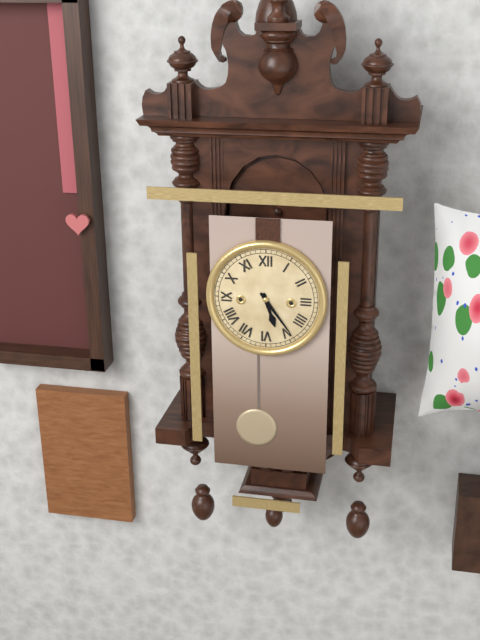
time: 5:24
